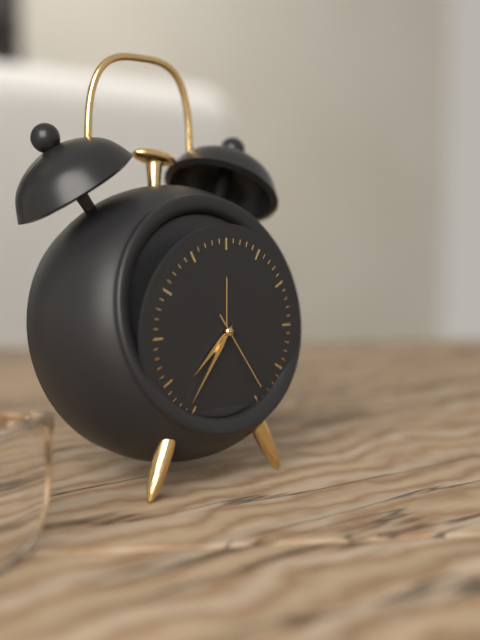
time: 7:36:24
